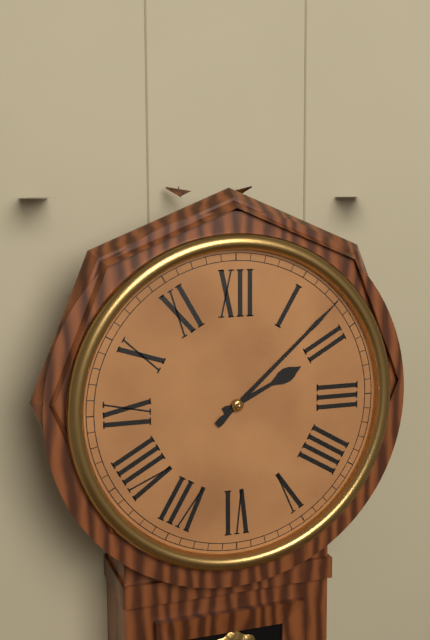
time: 2:08
